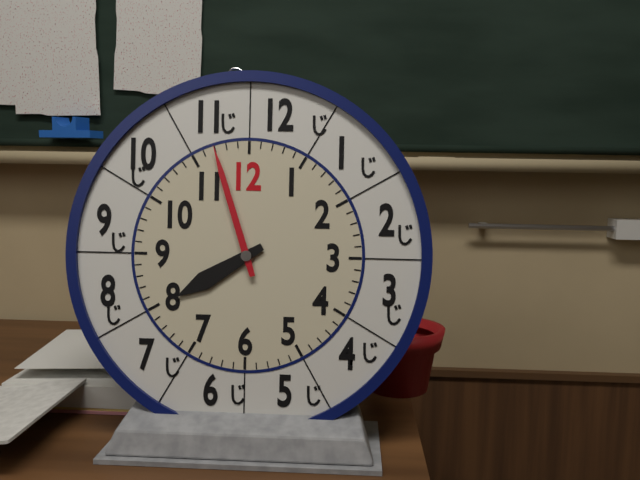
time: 7:57
